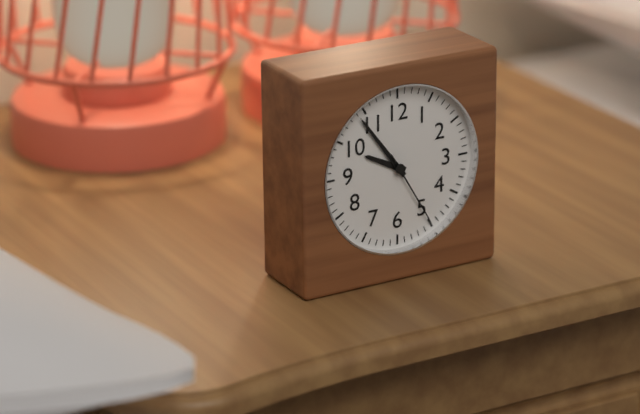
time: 9:54:25
